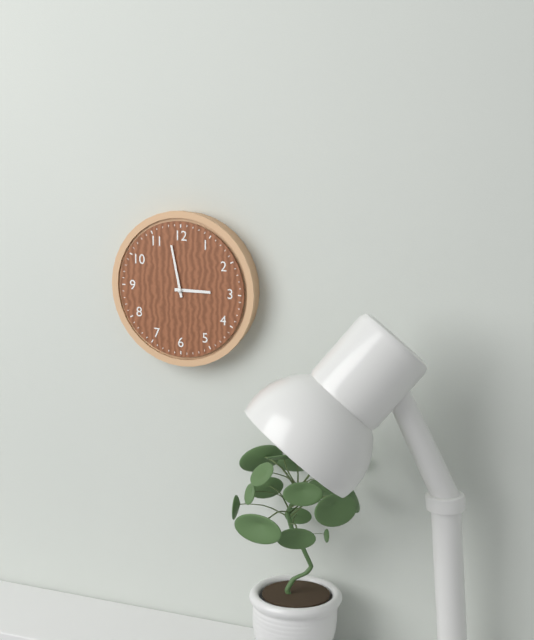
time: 2:58
